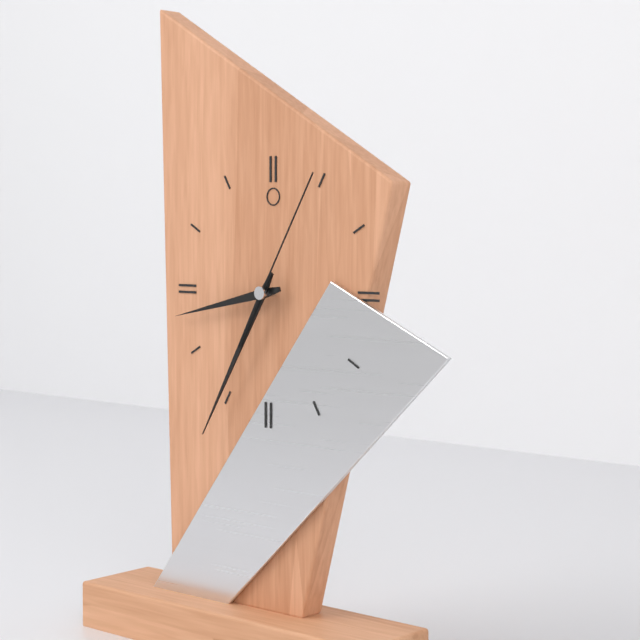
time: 8:35:05
